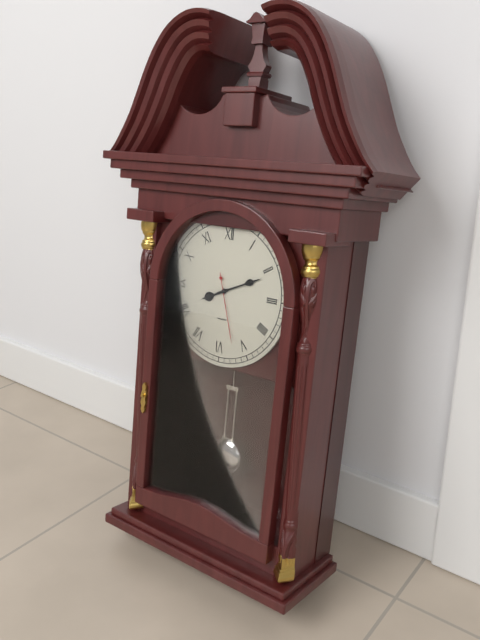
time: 8:11:27
